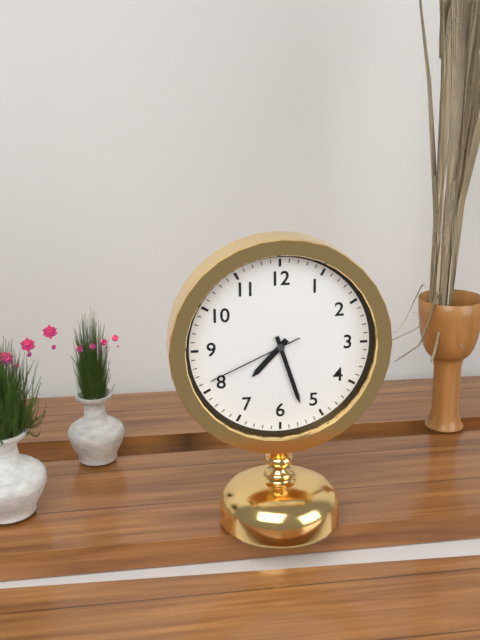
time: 7:27:41
